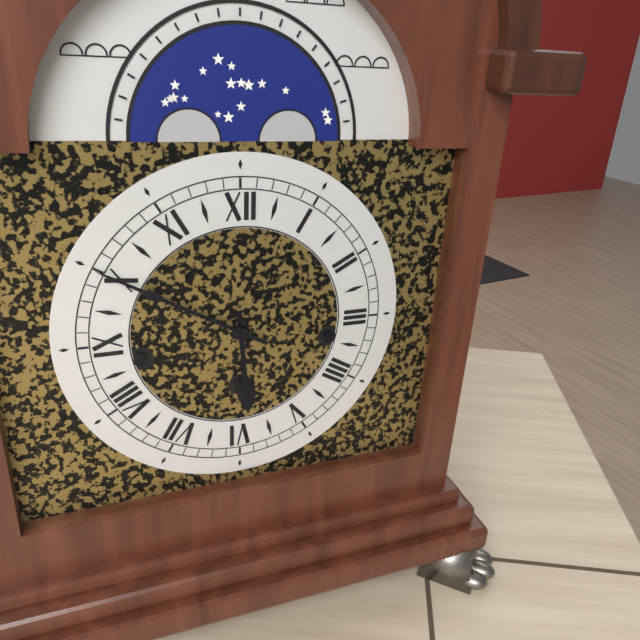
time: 5:50
